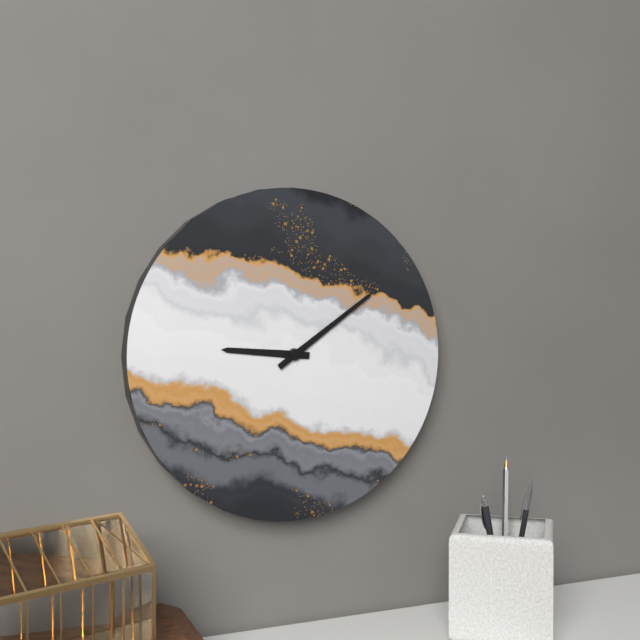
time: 9:09
